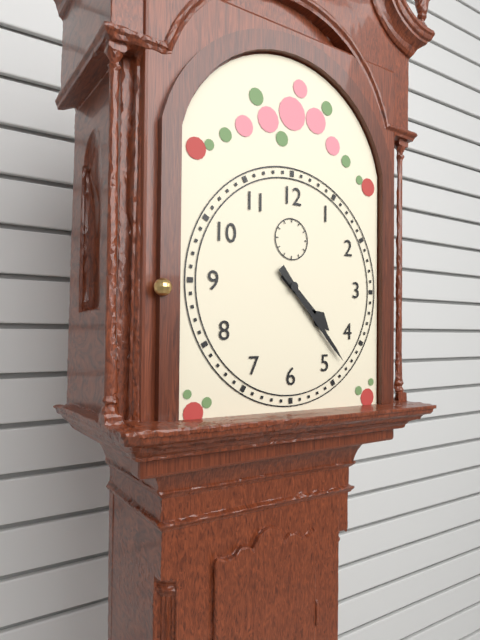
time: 4:23
